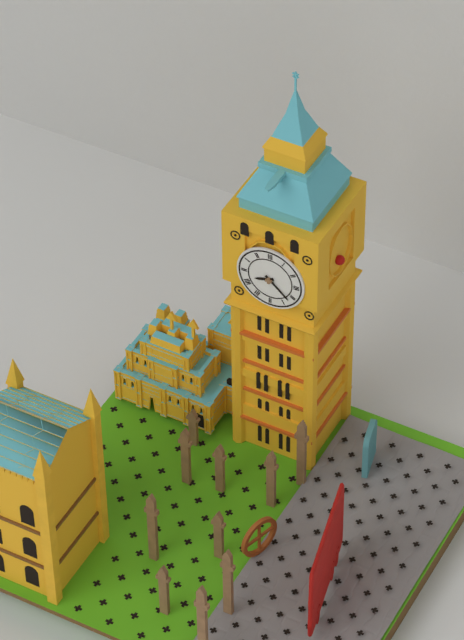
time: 8:22
